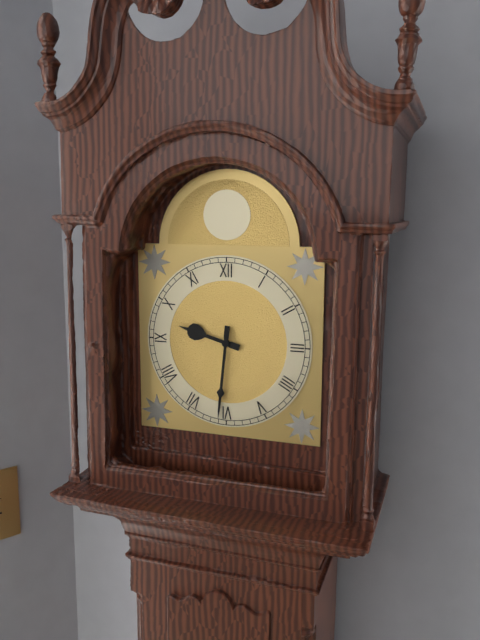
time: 9:31
